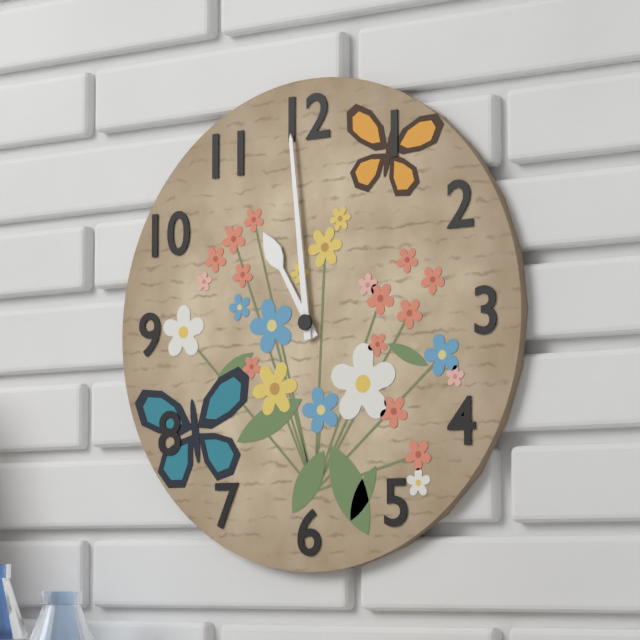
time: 10:59
